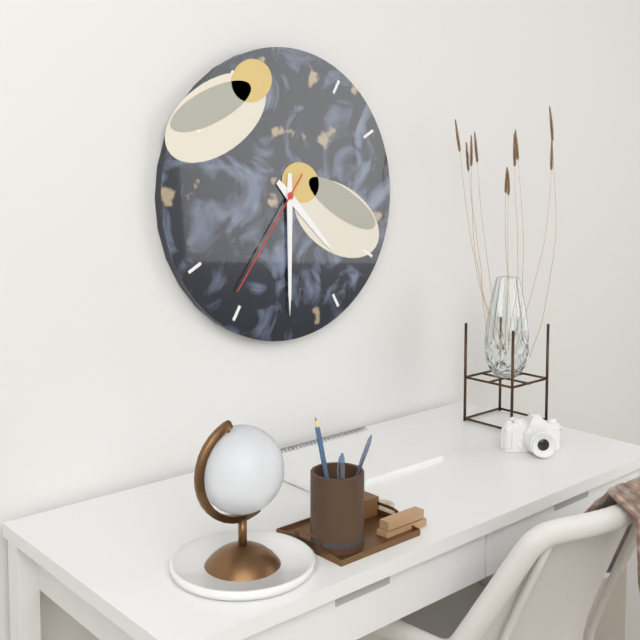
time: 4:30:36
